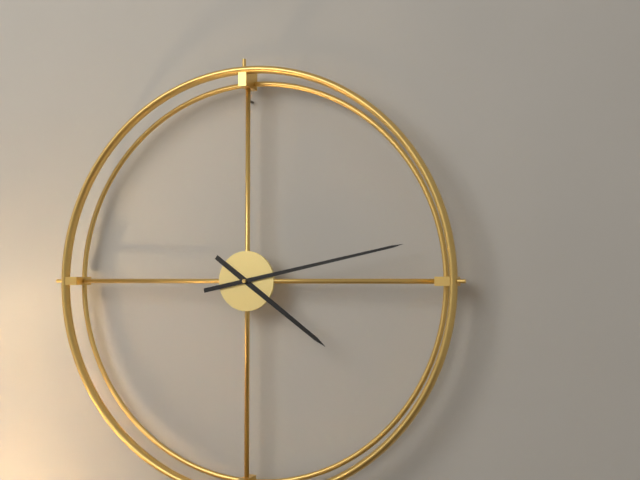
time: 4:13
